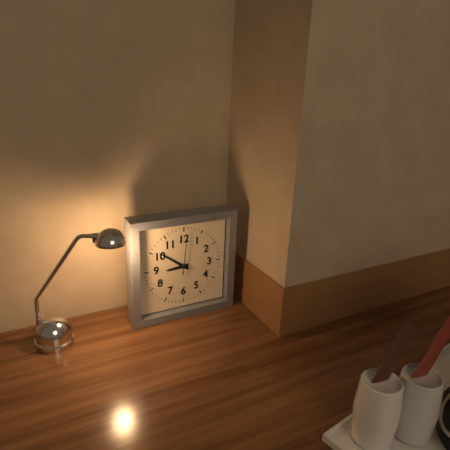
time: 8:51
